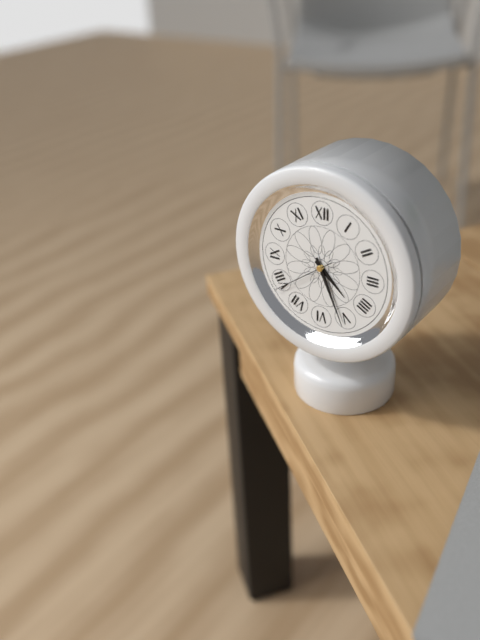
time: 4:26:39
